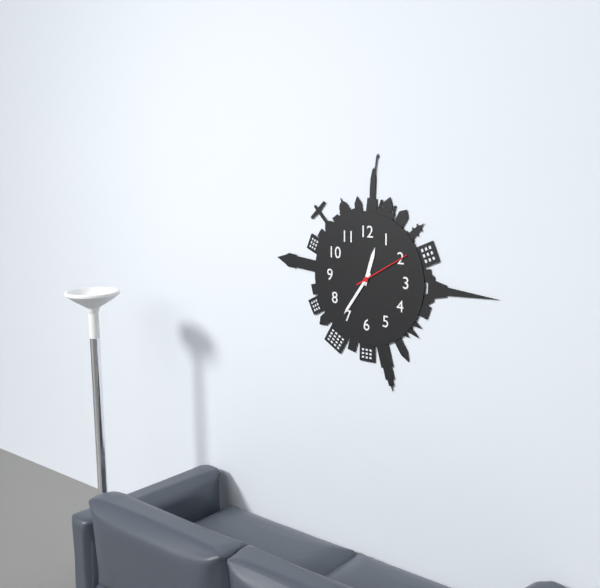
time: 12:36:10
